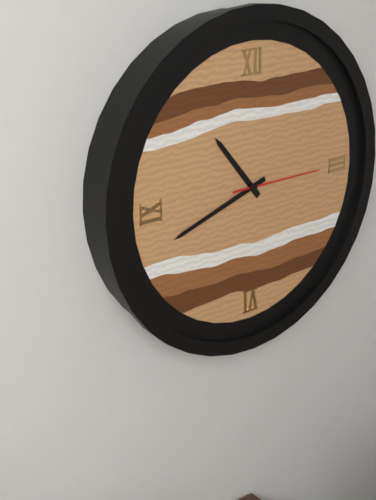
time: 10:42:15
